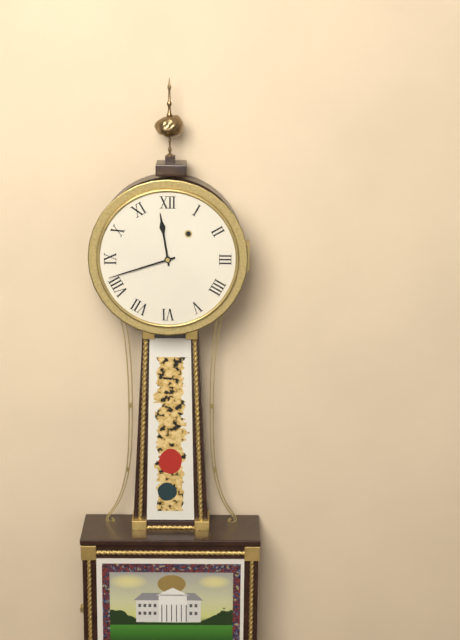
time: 11:42
